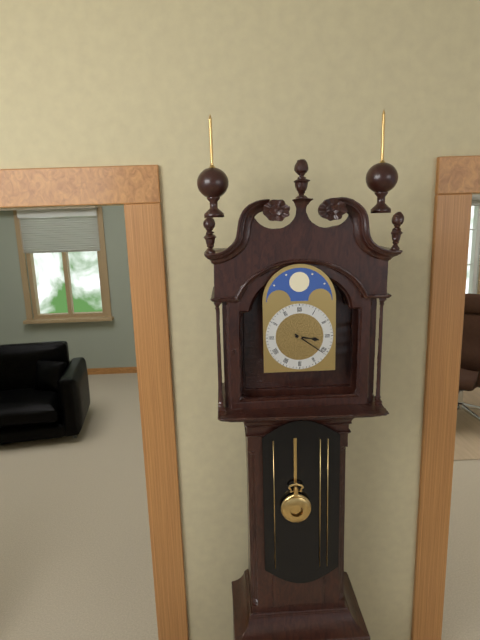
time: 3:21
